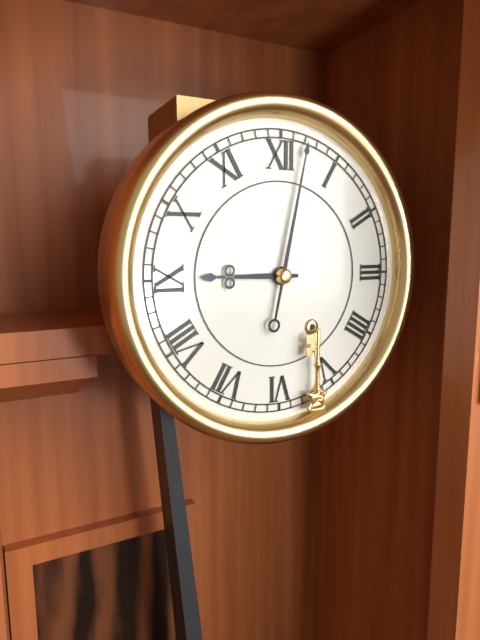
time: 9:02
